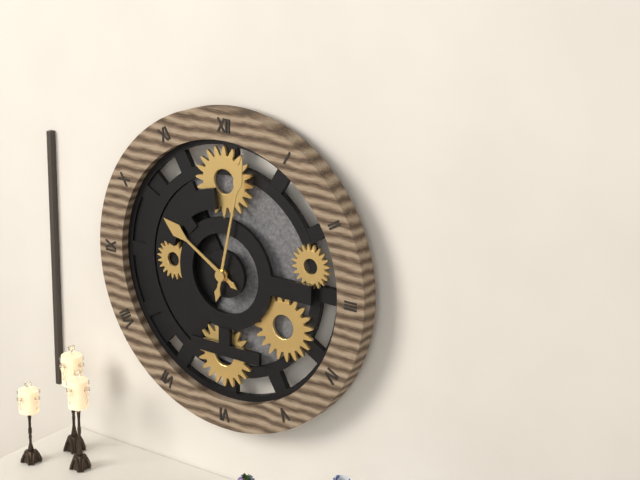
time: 10:02
